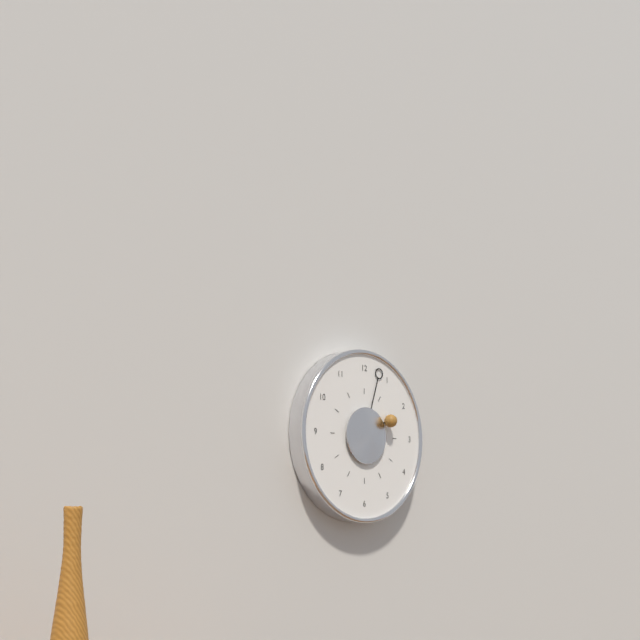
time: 2:03
